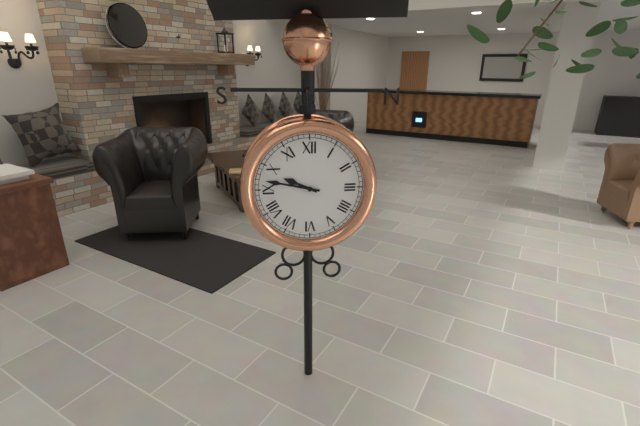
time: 9:47
